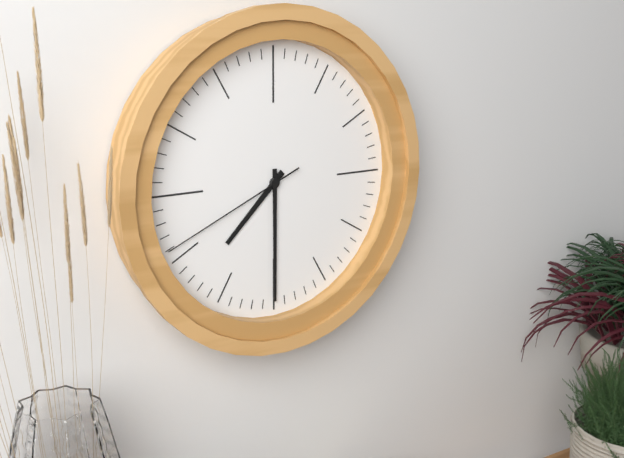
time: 7:30:41
